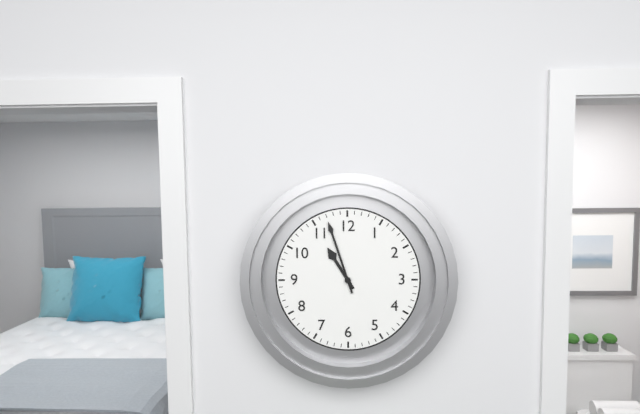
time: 10:57
